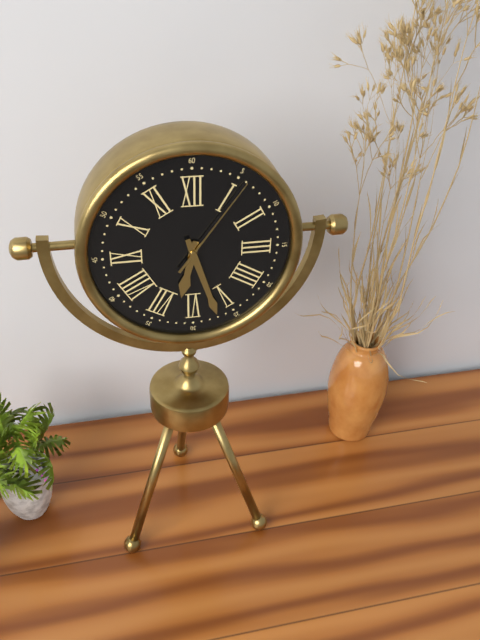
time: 6:27:06
